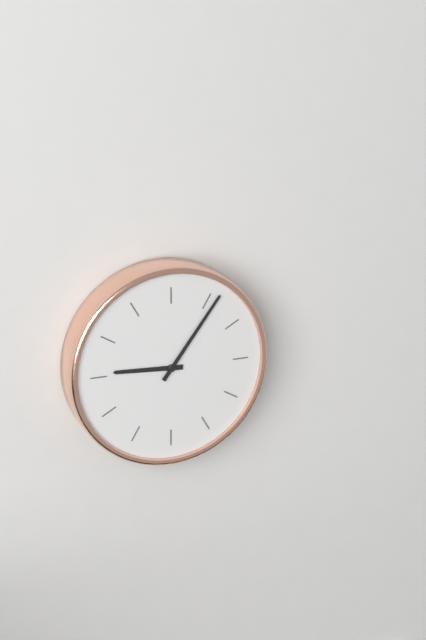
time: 9:06
